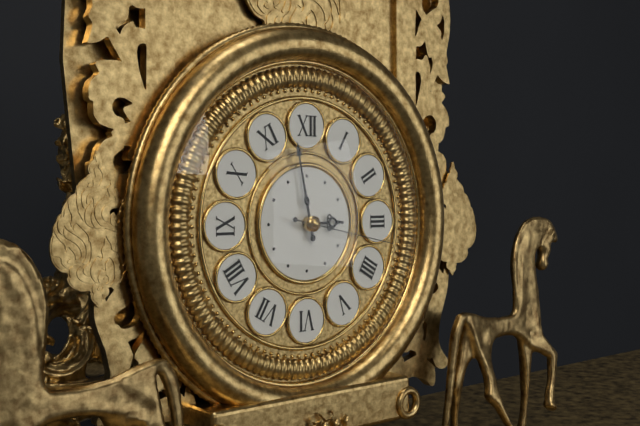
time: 2:58:17
